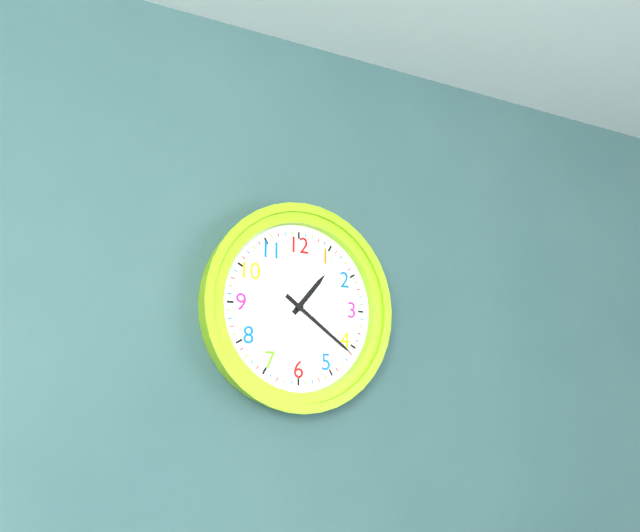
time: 1:21
